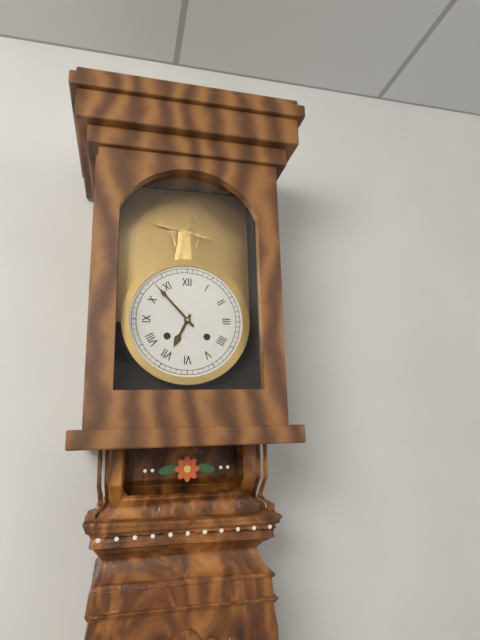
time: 6:53
